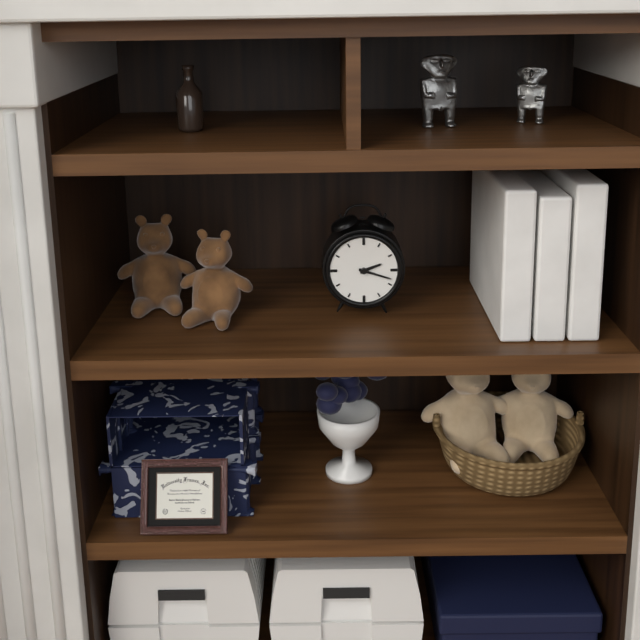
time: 2:18
